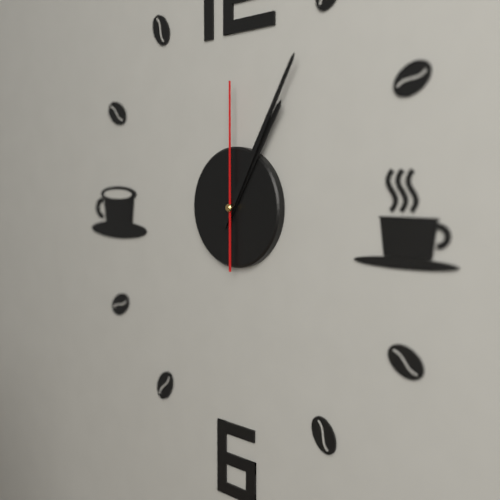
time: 1:05:00
